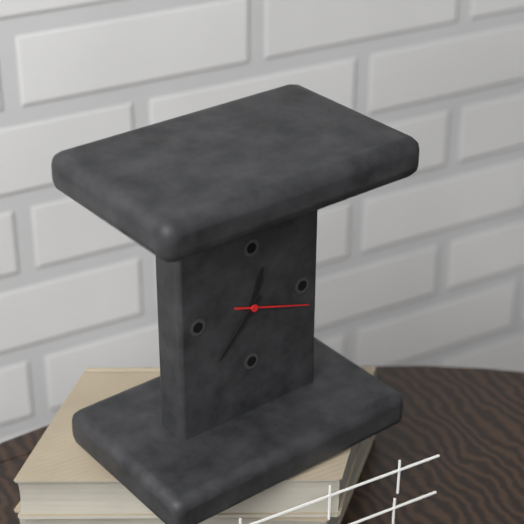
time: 12:37:18
